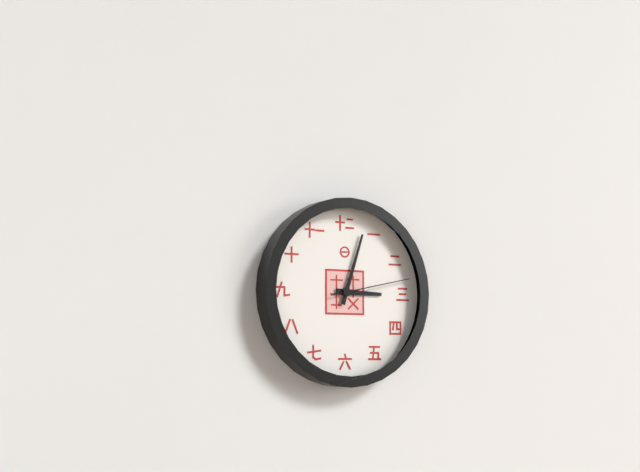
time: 3:03:13
